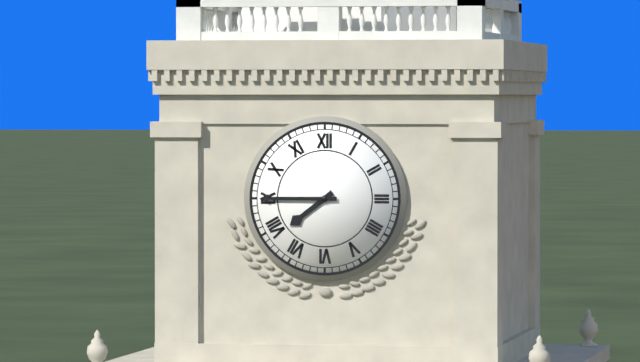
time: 7:45
